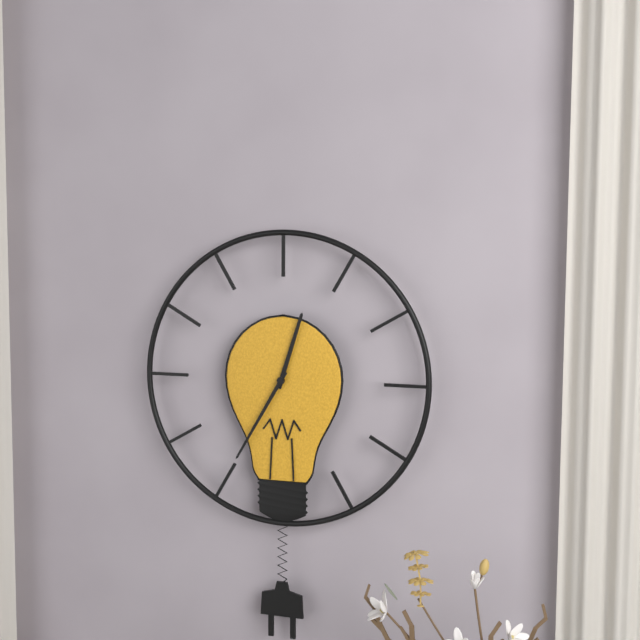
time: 12:35
